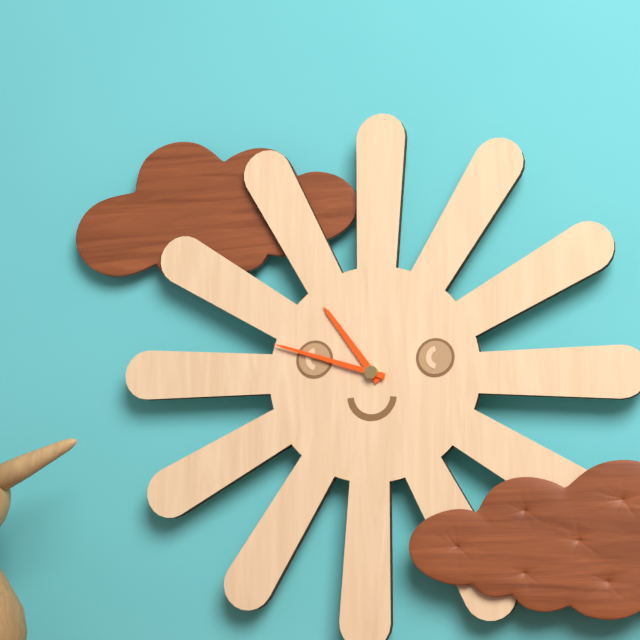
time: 10:48
